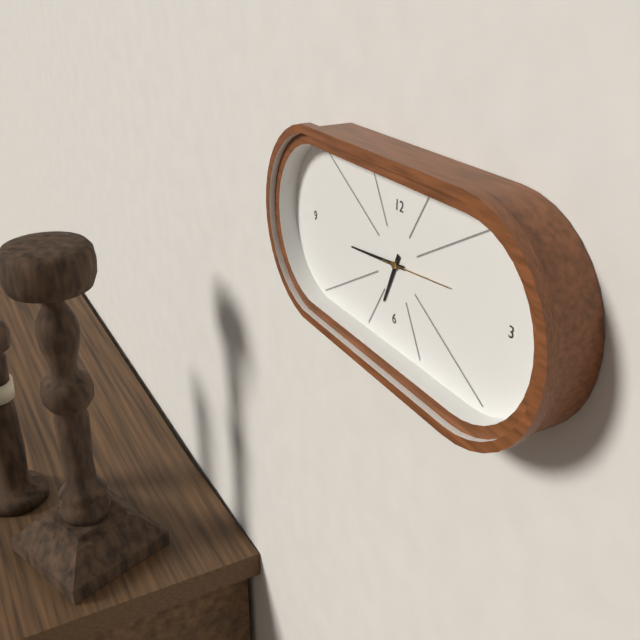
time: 6:44:14
